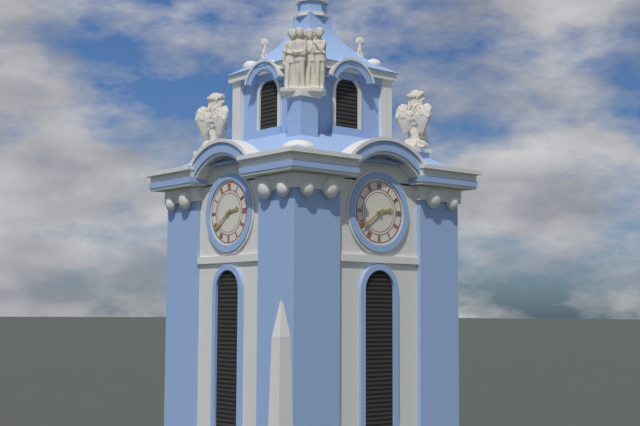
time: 2:39
